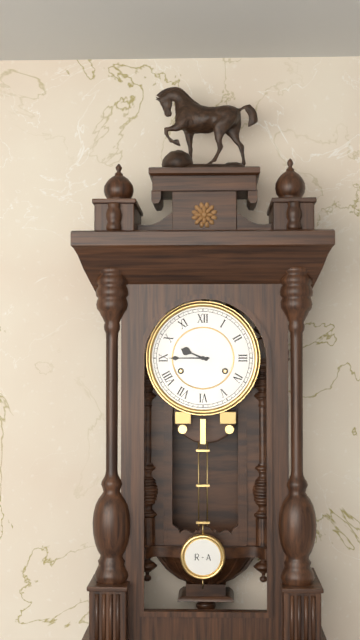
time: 9:45
